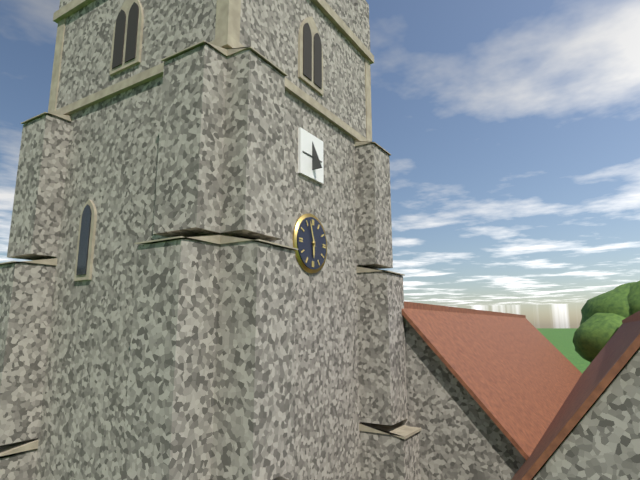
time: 5:57
